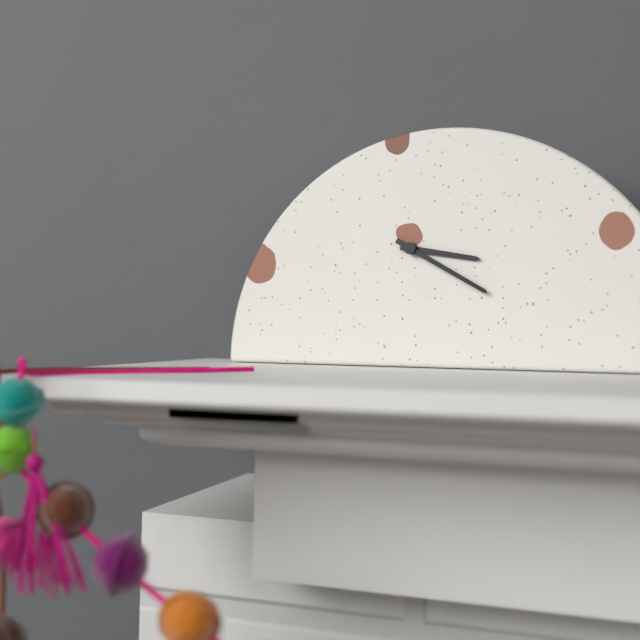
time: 3:20
